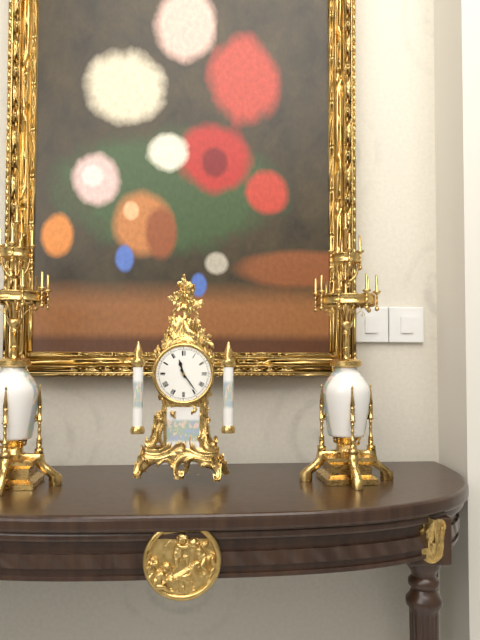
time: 11:24
